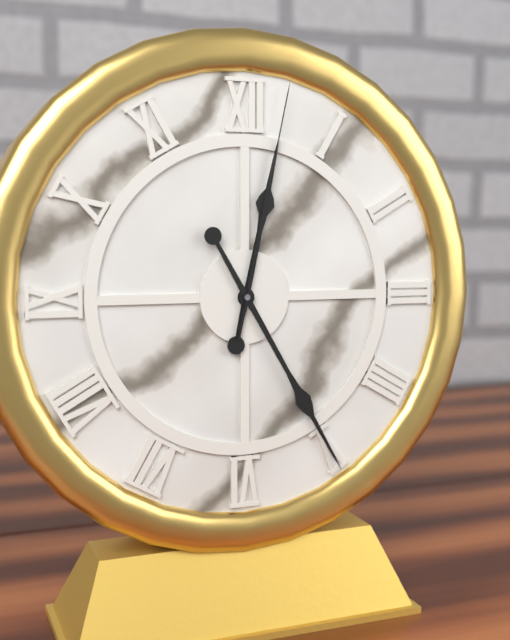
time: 12:25:02
